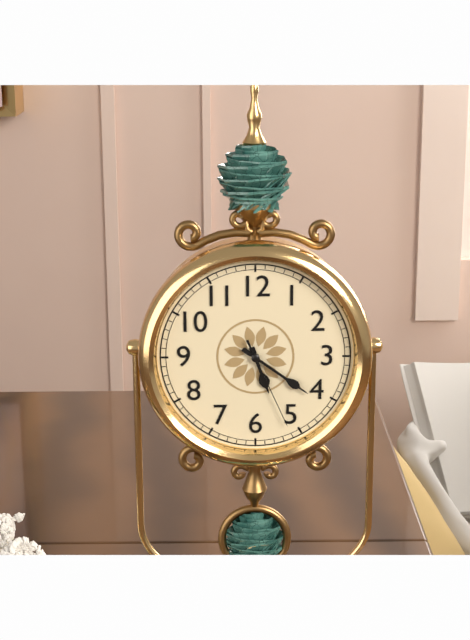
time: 5:21:26
